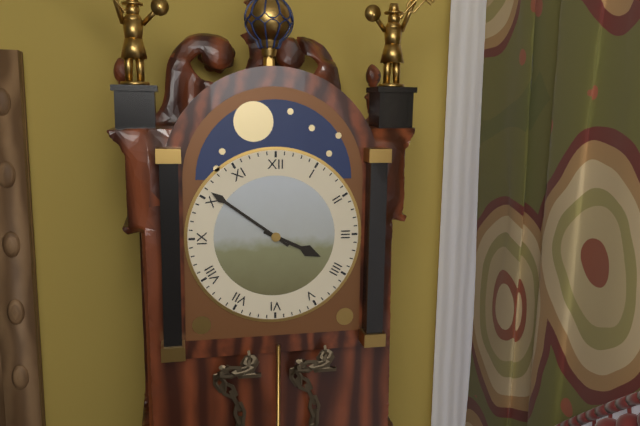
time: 3:51
